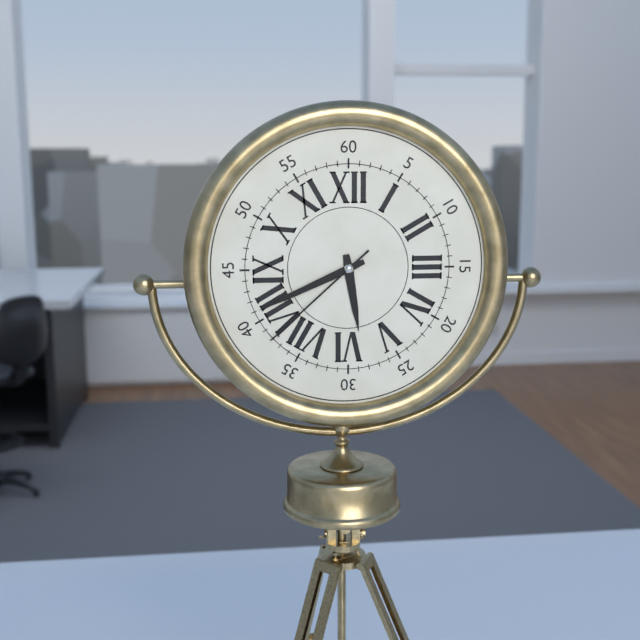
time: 5:41:38
